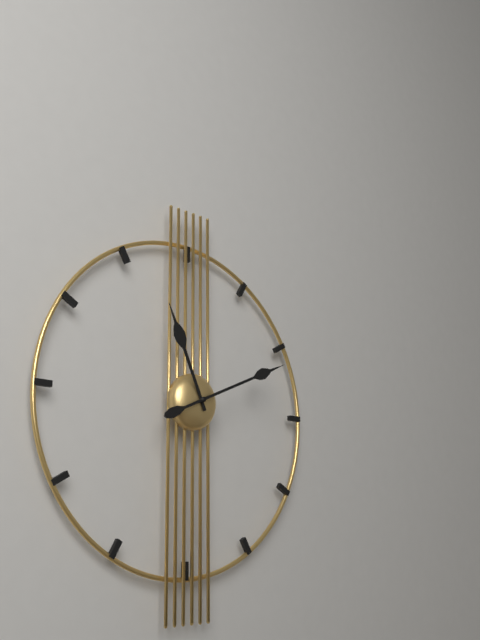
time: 11:11
